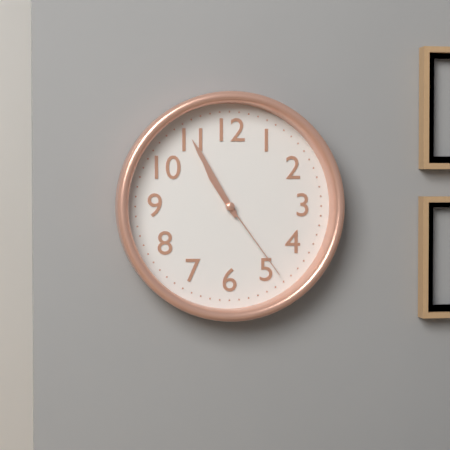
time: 10:55:24
